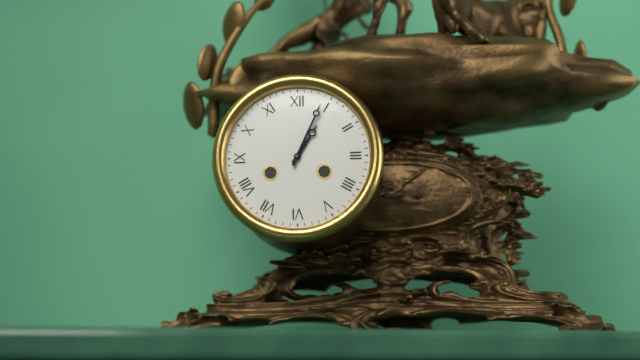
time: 1:04
